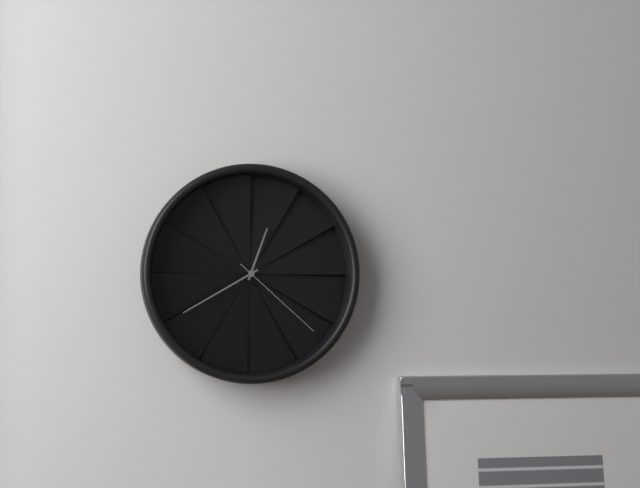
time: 12:40:22
